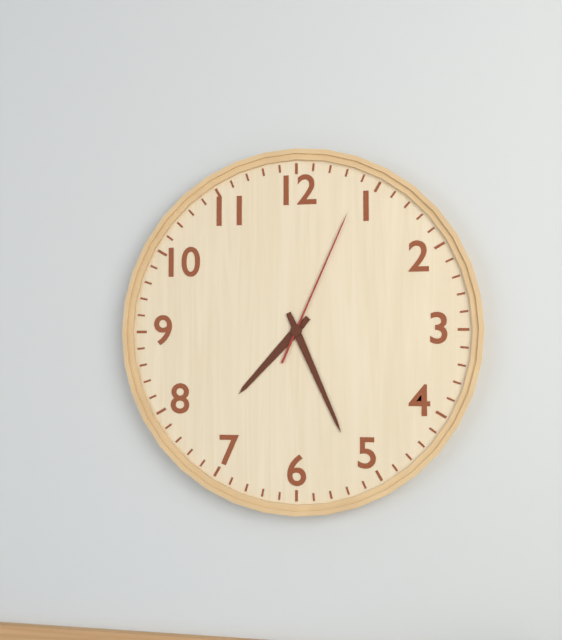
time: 7:26:04
